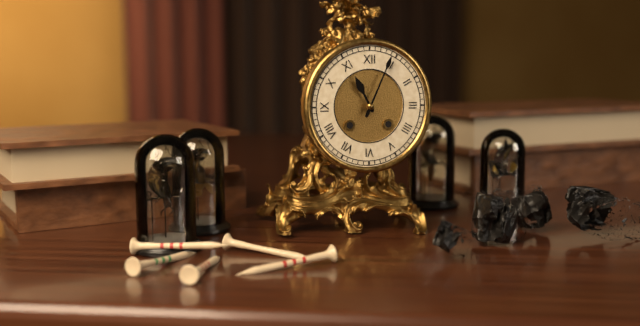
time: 11:04
